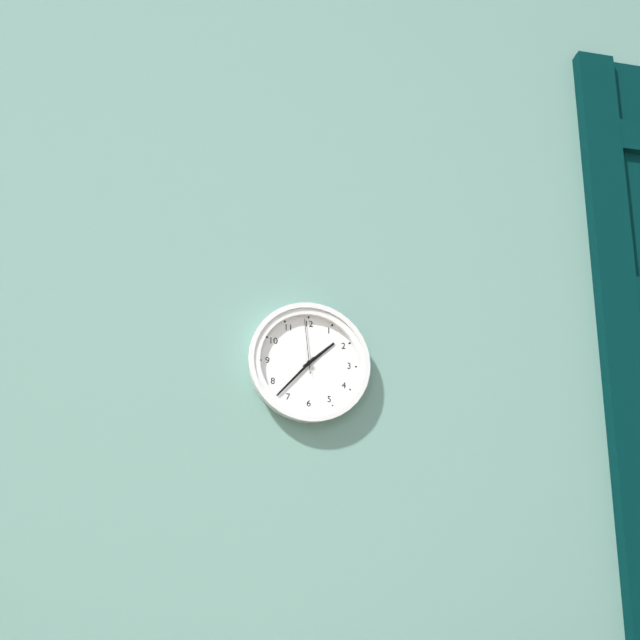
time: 1:37:59
